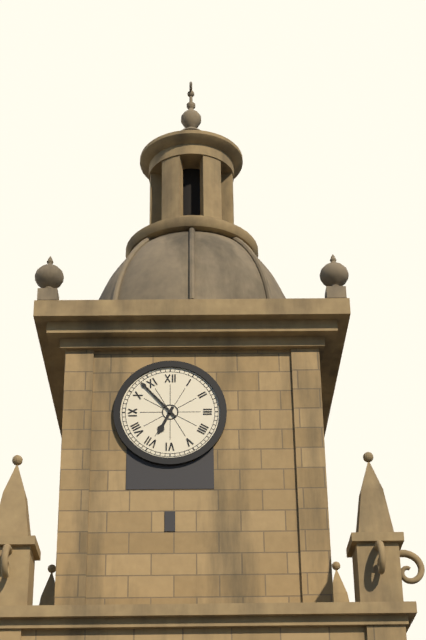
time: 6:53
